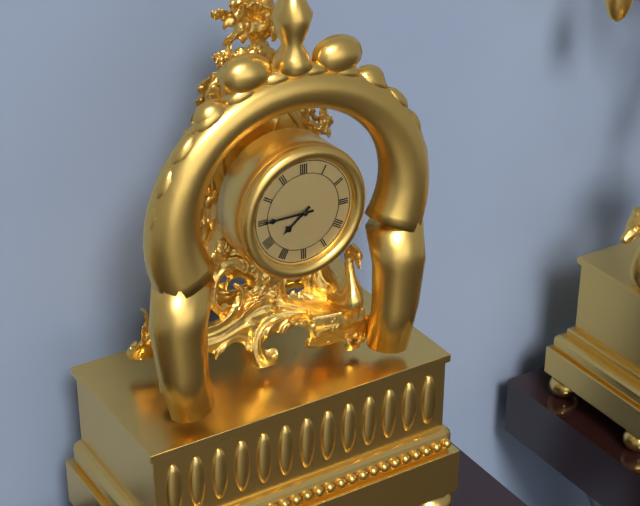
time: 7:45
